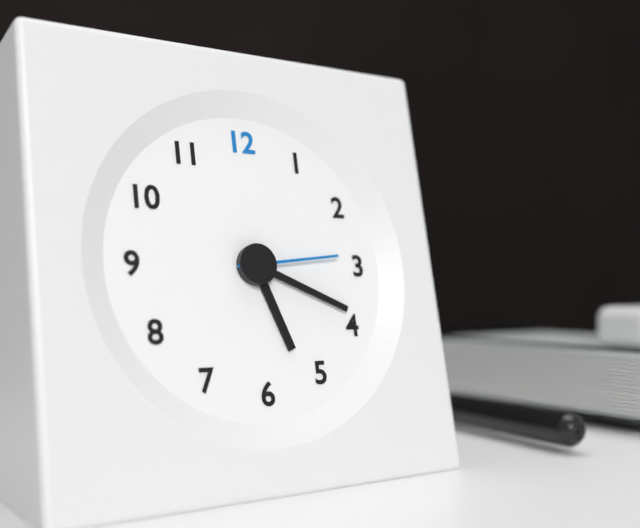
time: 5:19:14
